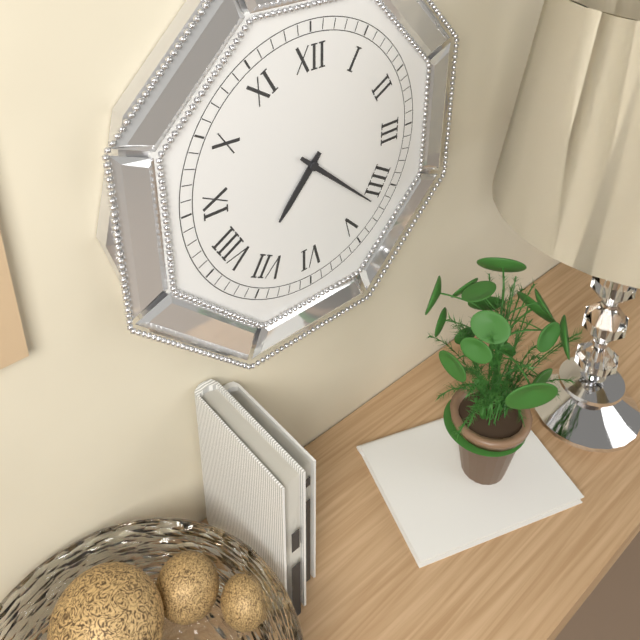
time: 7:22
